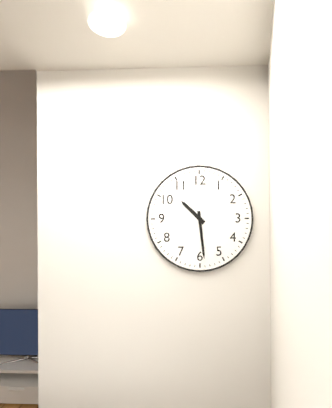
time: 10:29
